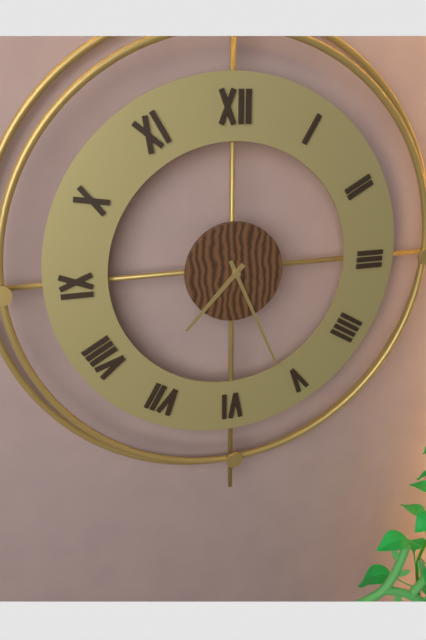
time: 7:26
